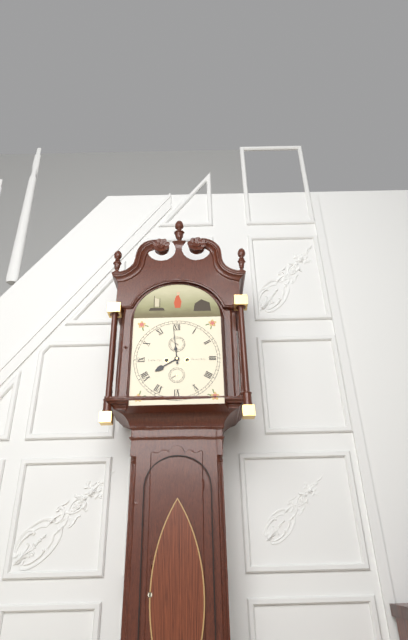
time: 7:59
